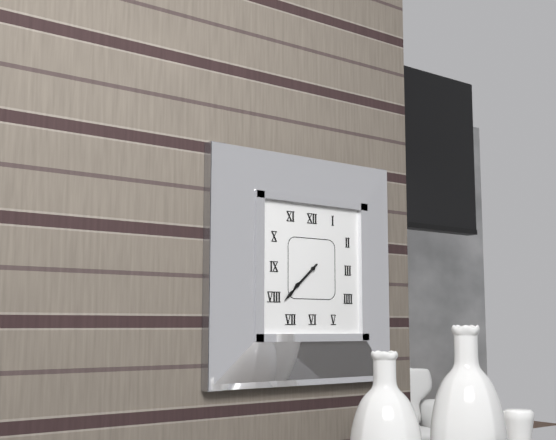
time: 7:38
